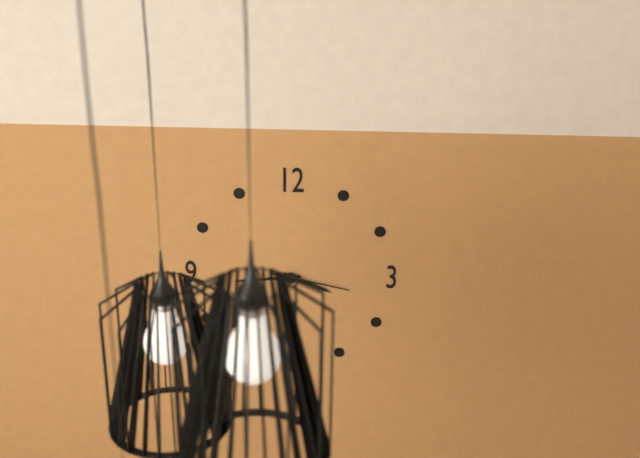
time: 3:44:17
